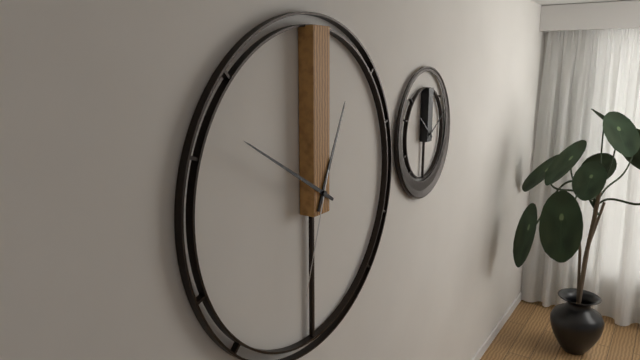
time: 12:50:33
